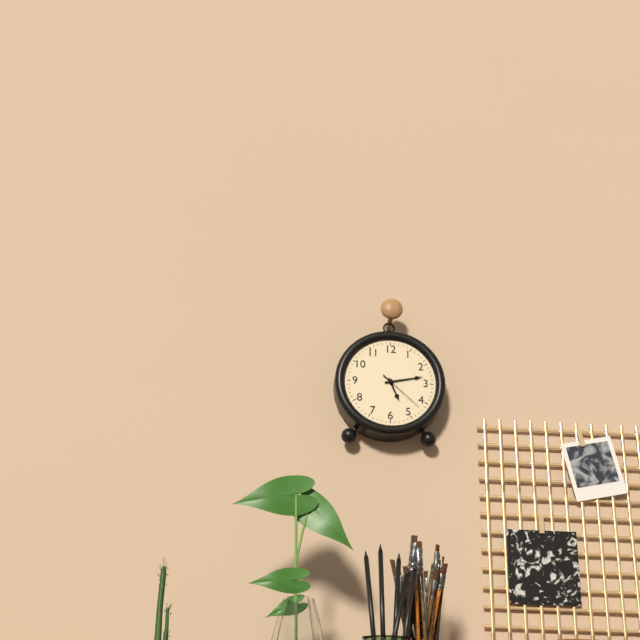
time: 5:13
